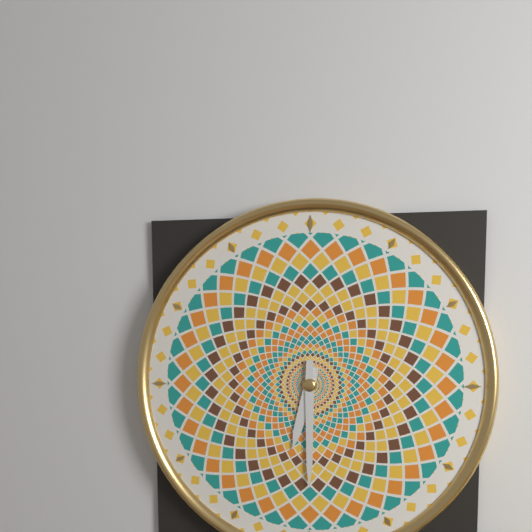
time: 6:30
